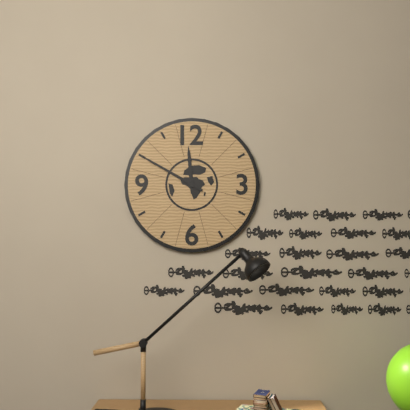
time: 11:50
